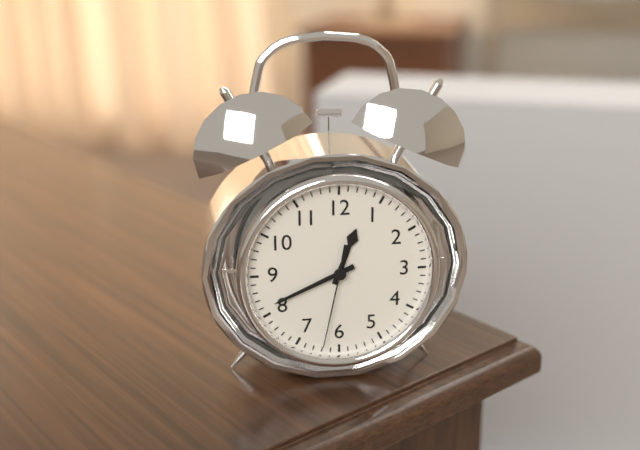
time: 12:41:32
